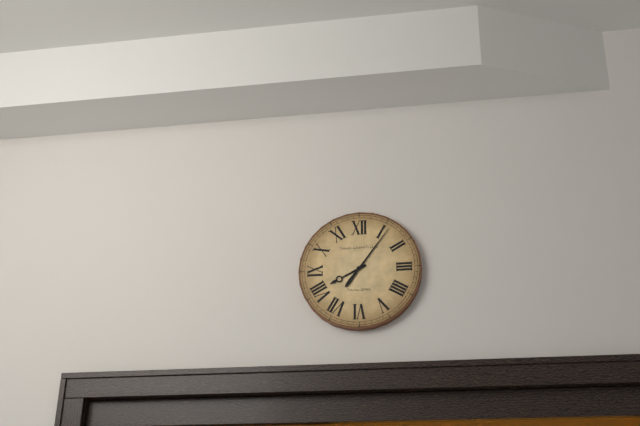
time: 8:06
